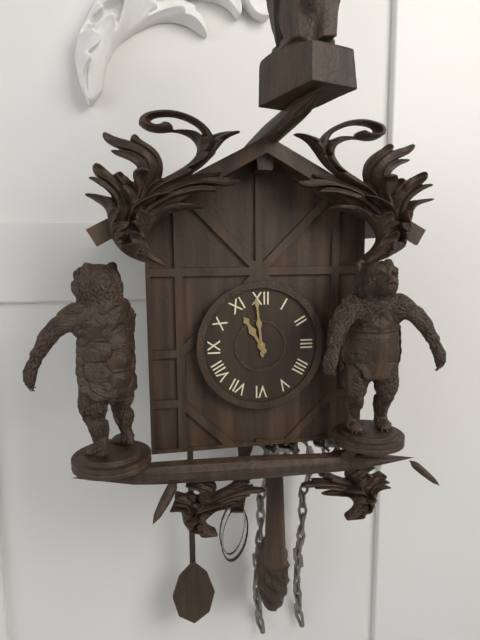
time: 10:59
